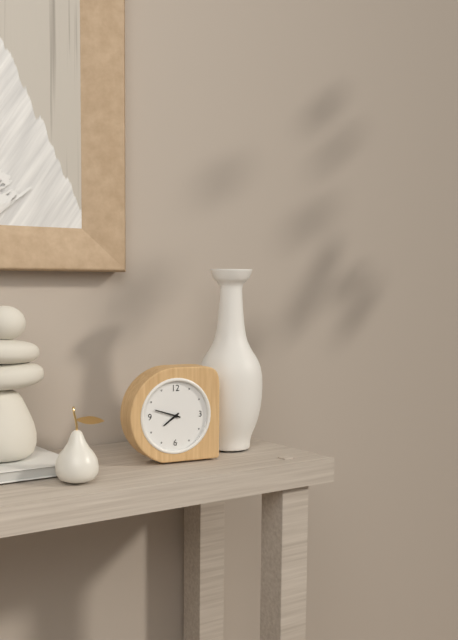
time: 7:48
